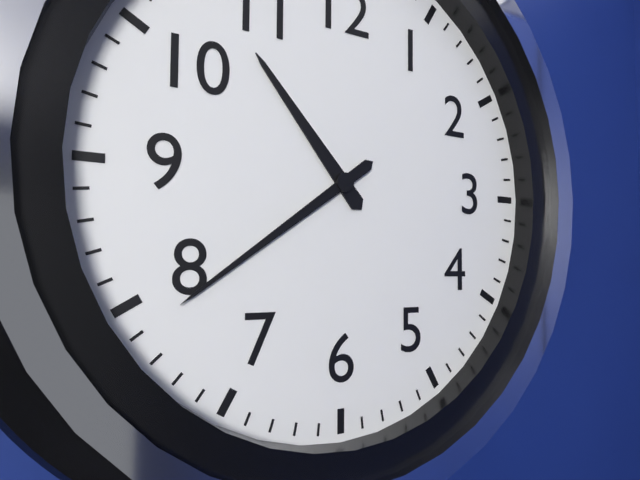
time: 10:39
